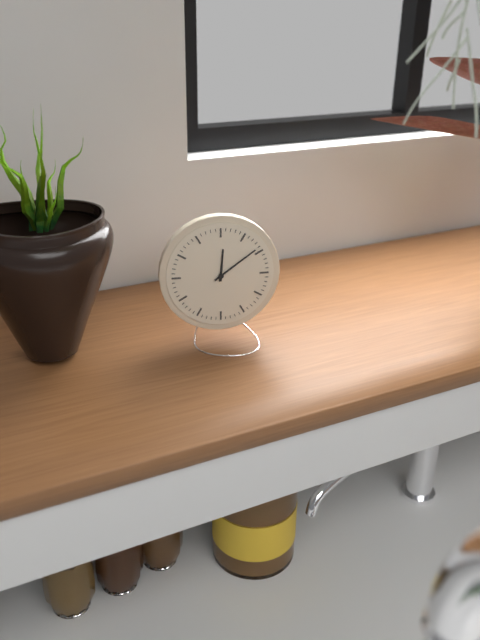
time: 12:09
